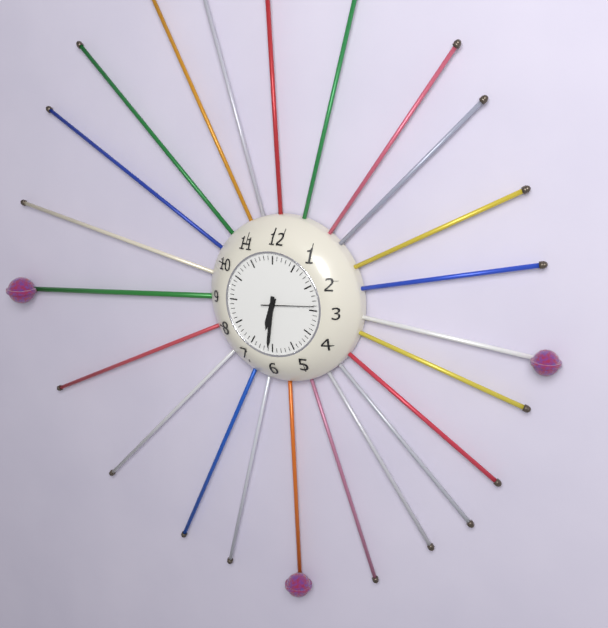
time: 6:31:14
